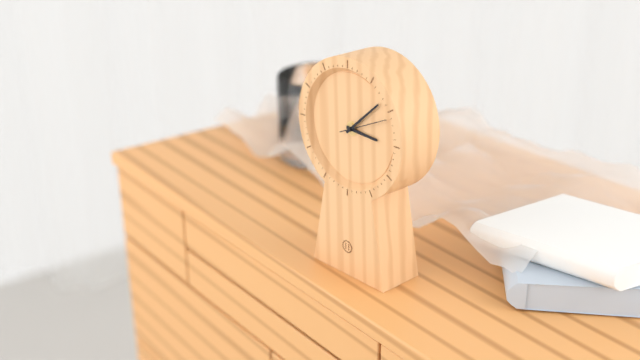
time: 3:08
